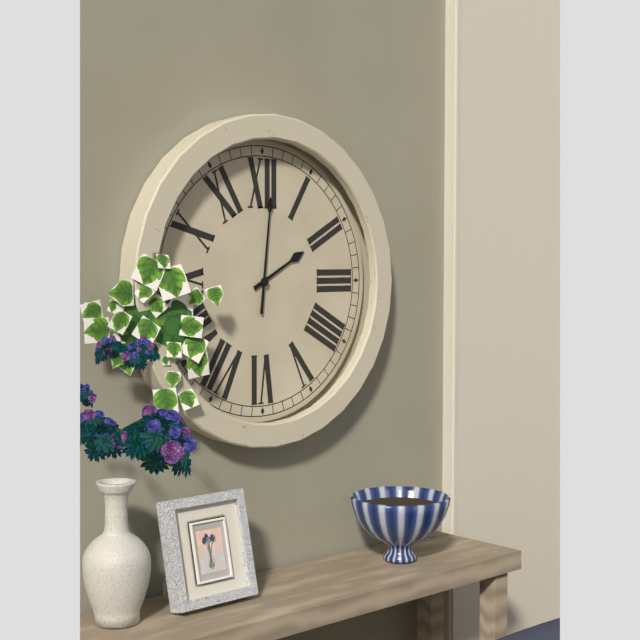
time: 2:01
